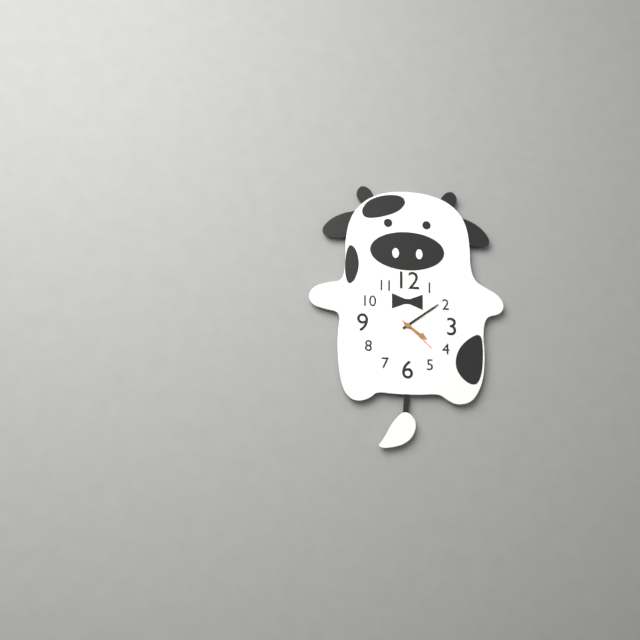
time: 4:09
